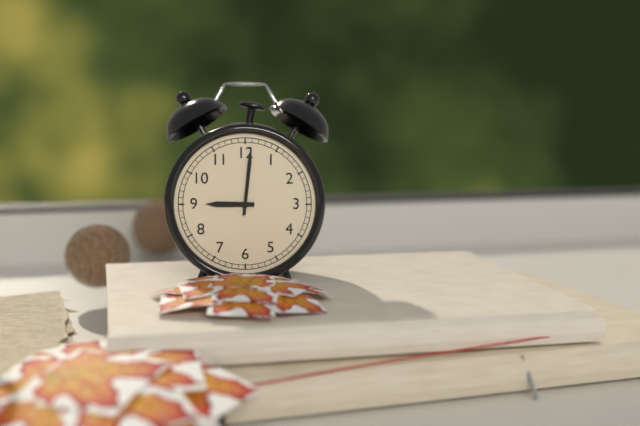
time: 9:01
